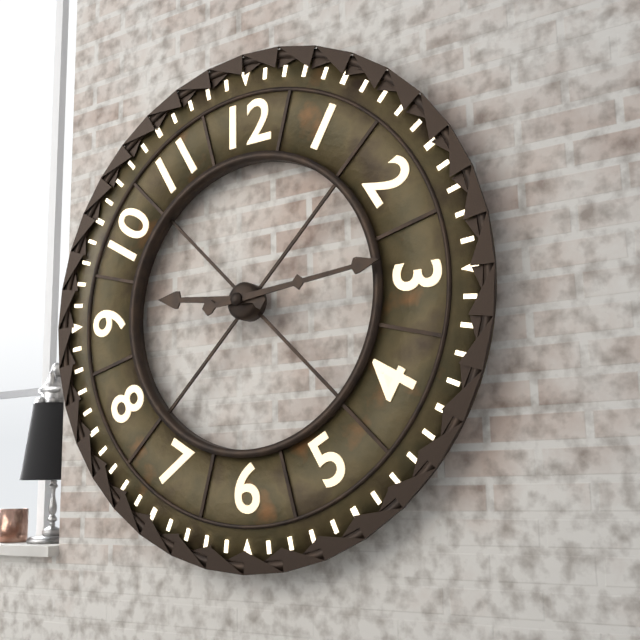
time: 9:14
